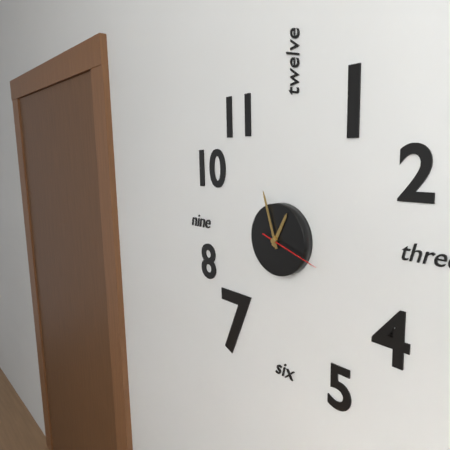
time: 12:57:18
